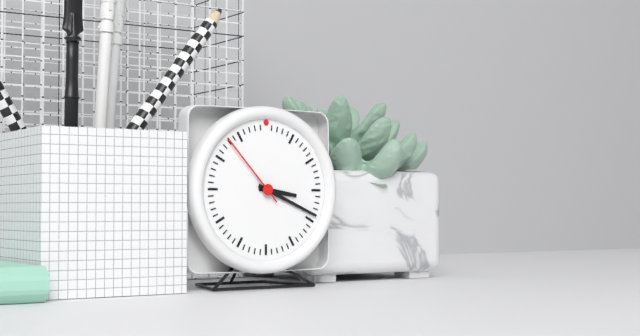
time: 3:19:53
